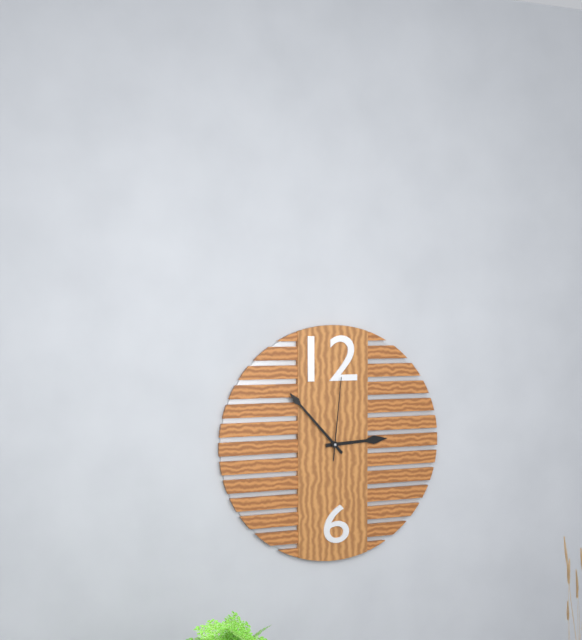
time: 2:53:01
